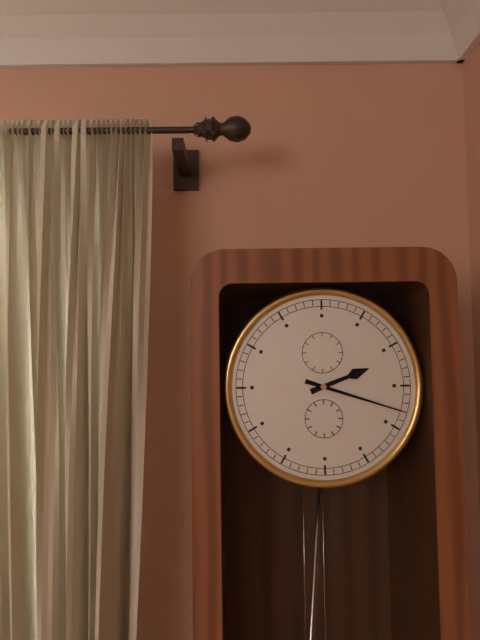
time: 2:18
